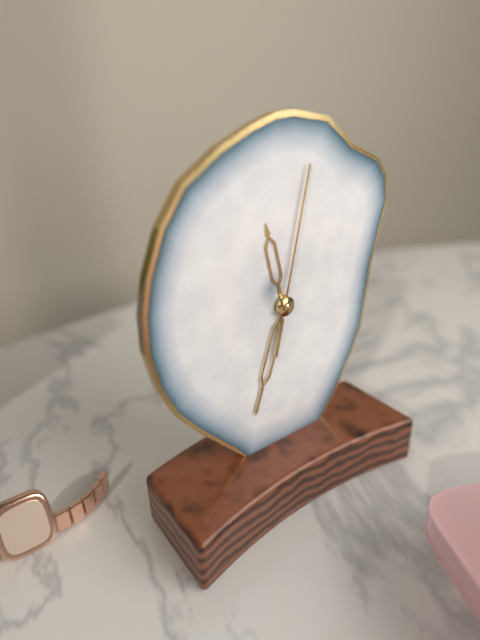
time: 11:33:02
